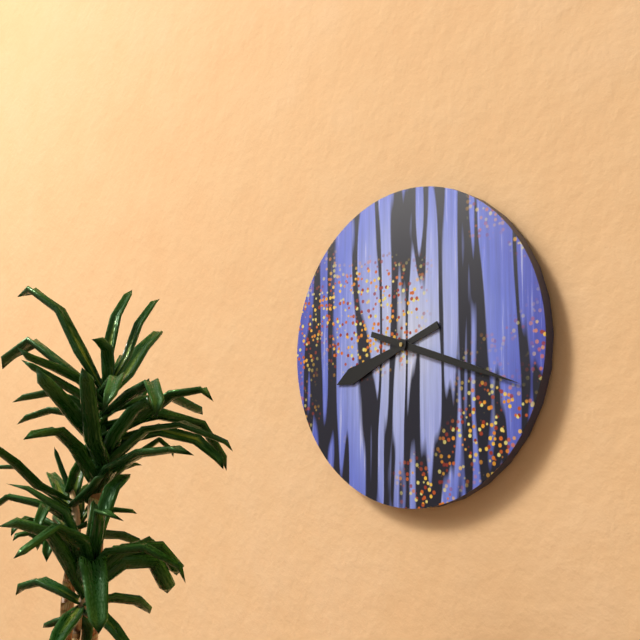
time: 8:18
